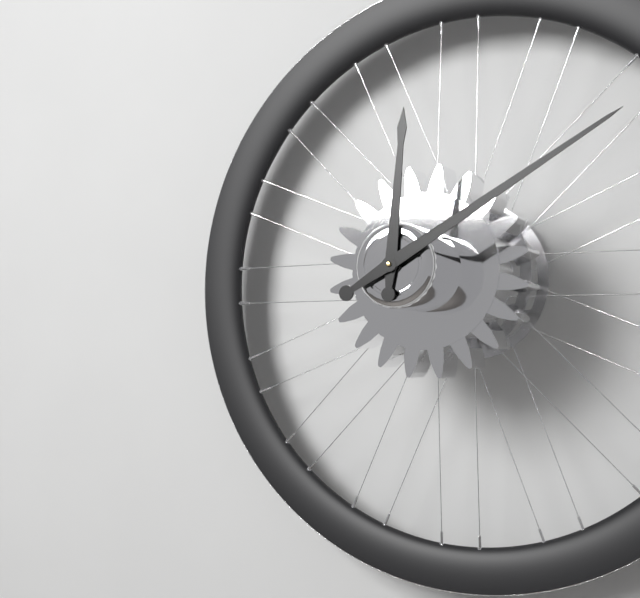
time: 12:10
